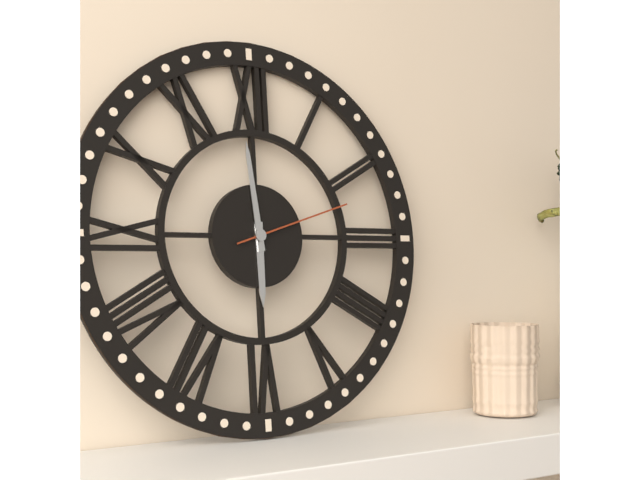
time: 5:59:12
